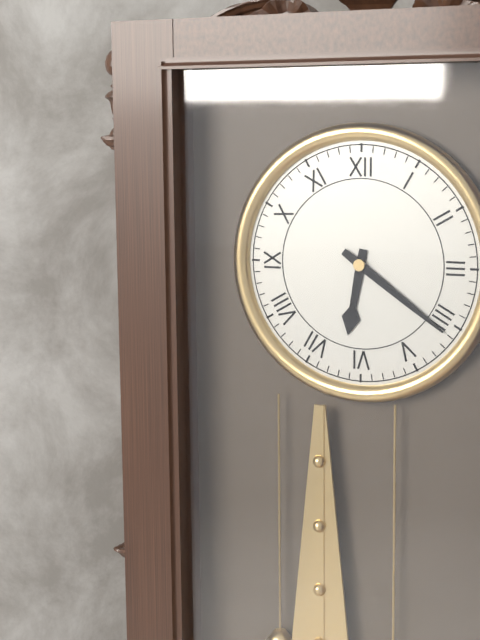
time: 6:21
